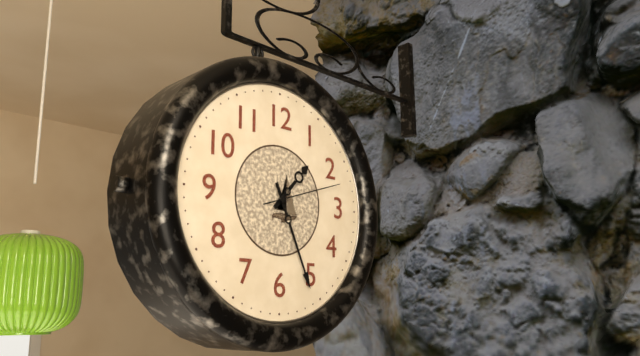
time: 1:26:12
